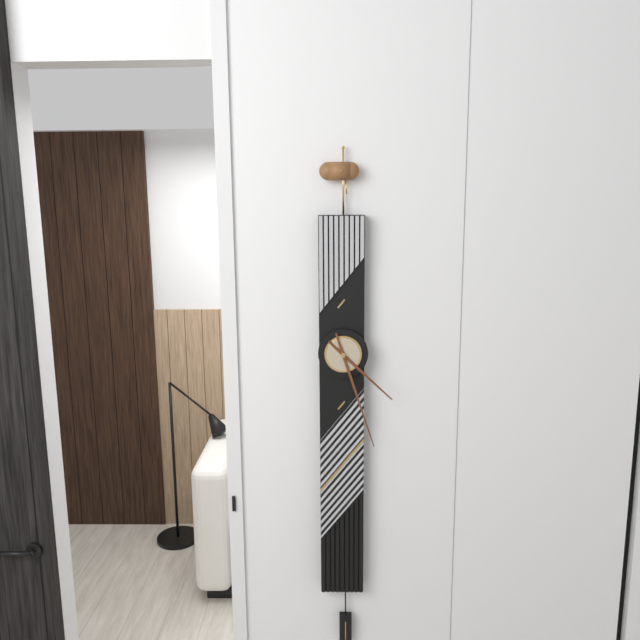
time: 4:27
